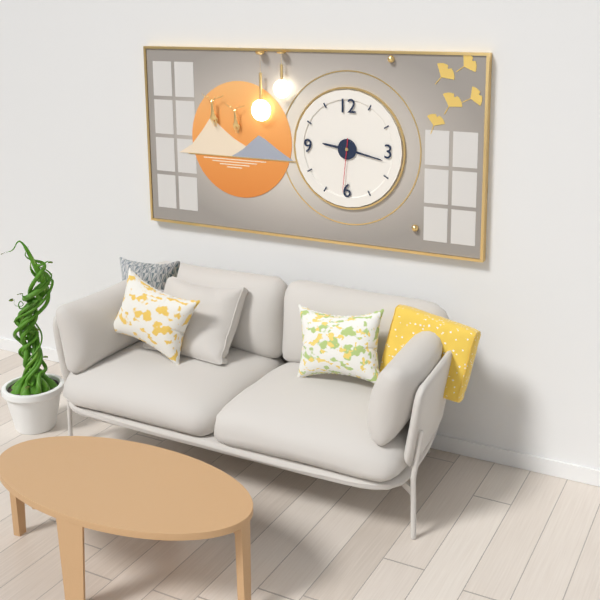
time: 9:17:31
